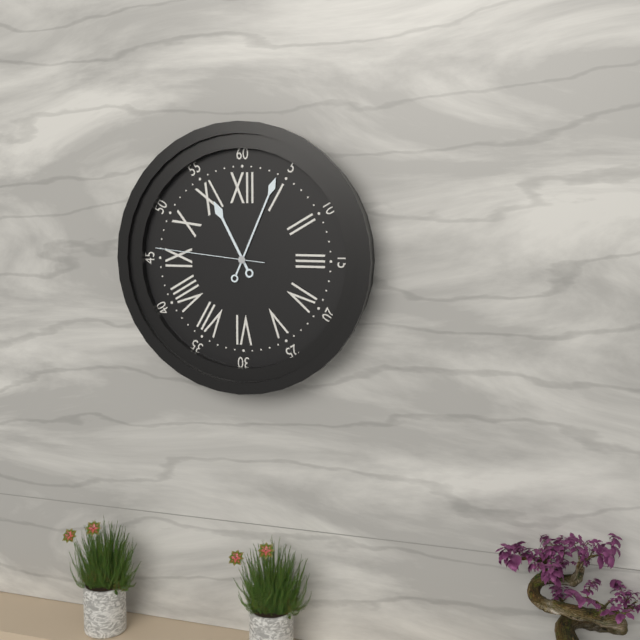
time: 11:04:46
